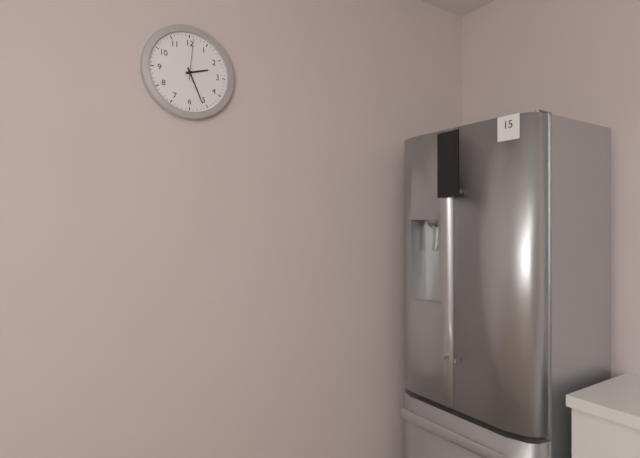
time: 2:26
